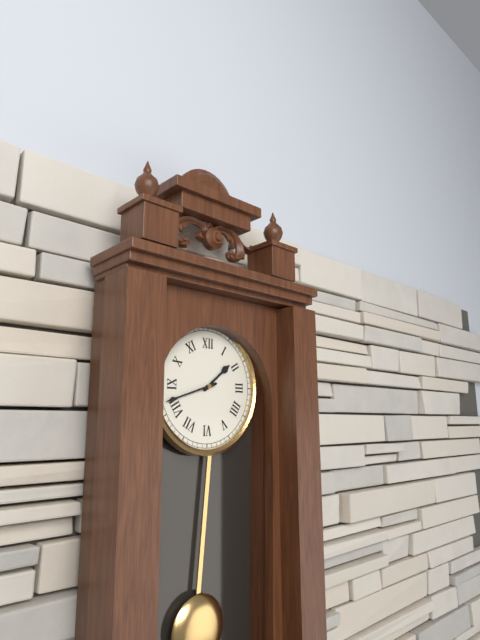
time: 1:42
